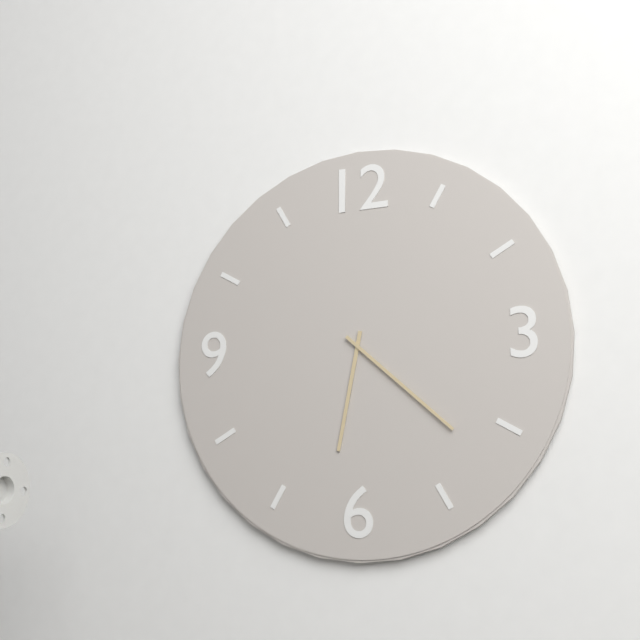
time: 6:22
